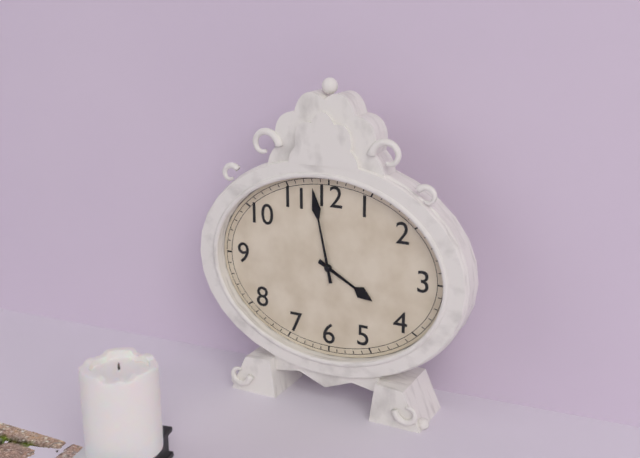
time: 3:58
